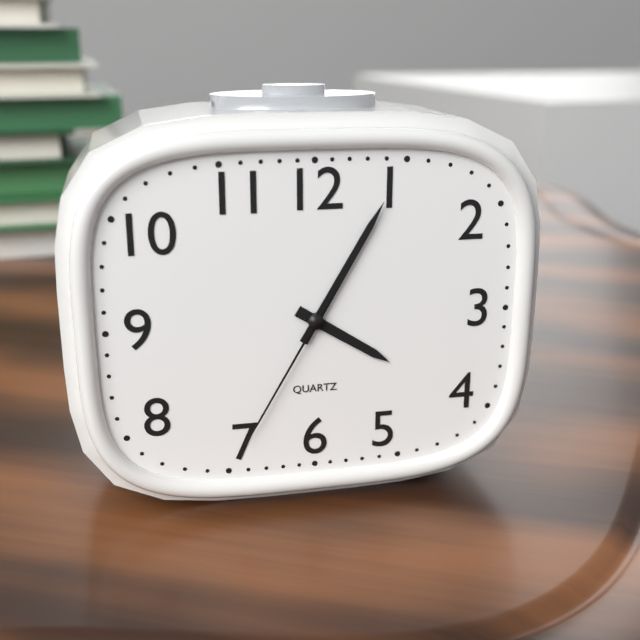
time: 4:05:35
